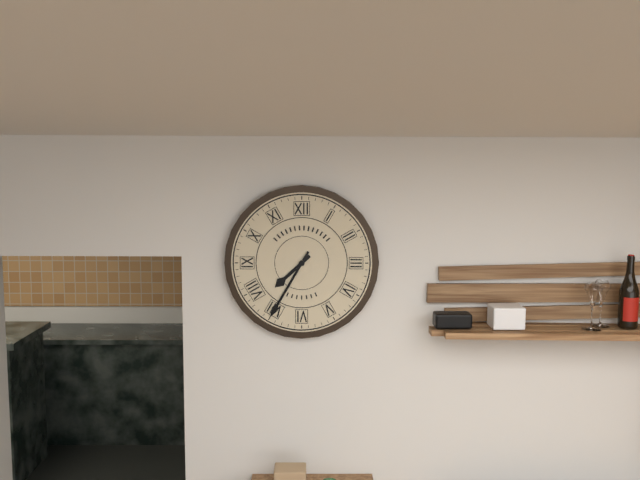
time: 7:35
